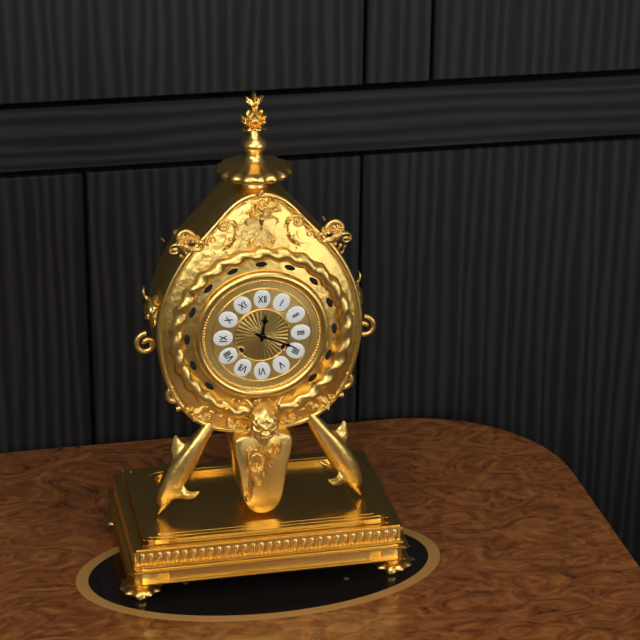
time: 12:19
